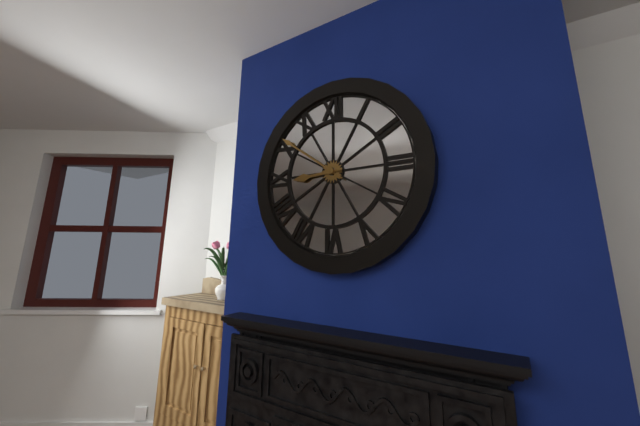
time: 8:51
